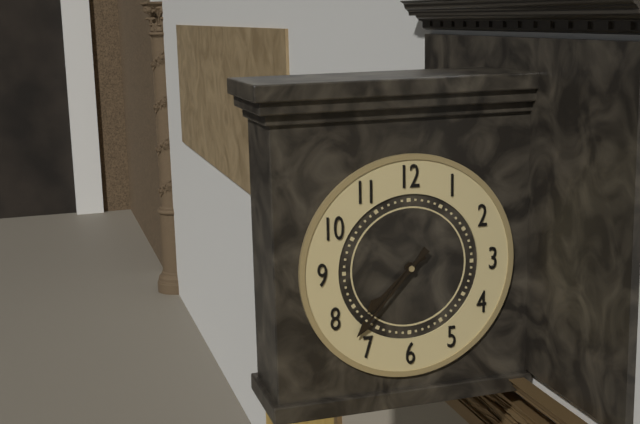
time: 7:37
